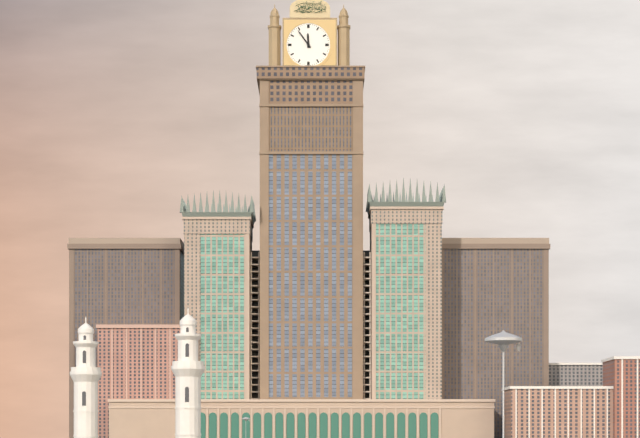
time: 11:54
